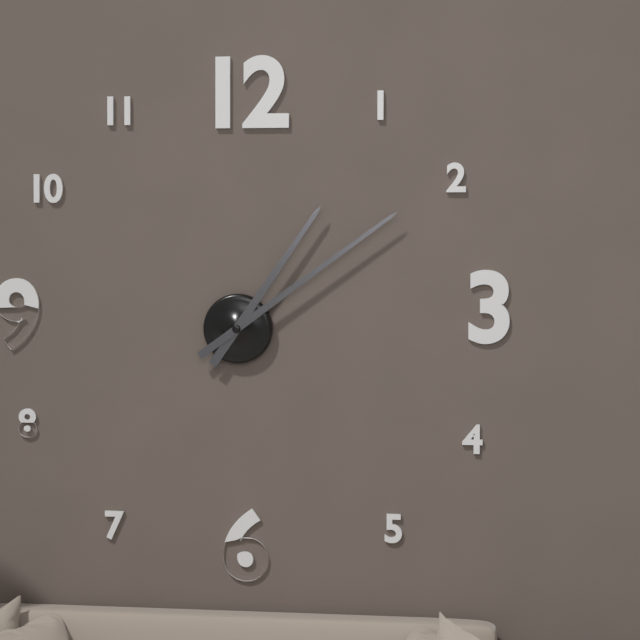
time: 1:09
